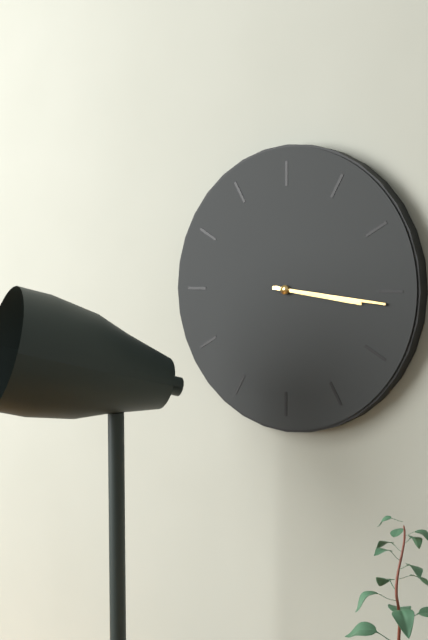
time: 3:16
